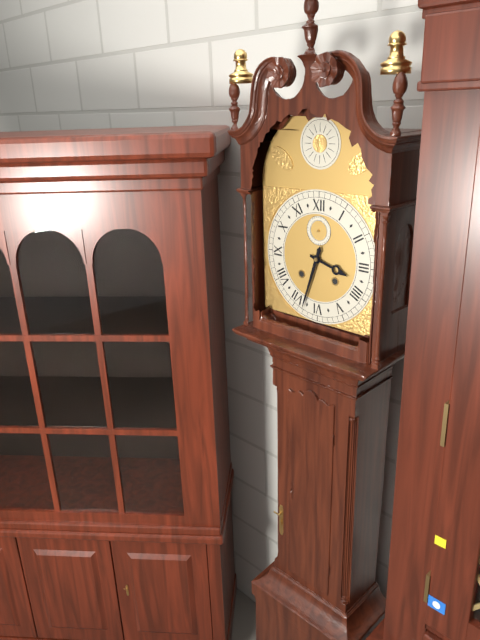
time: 3:33
